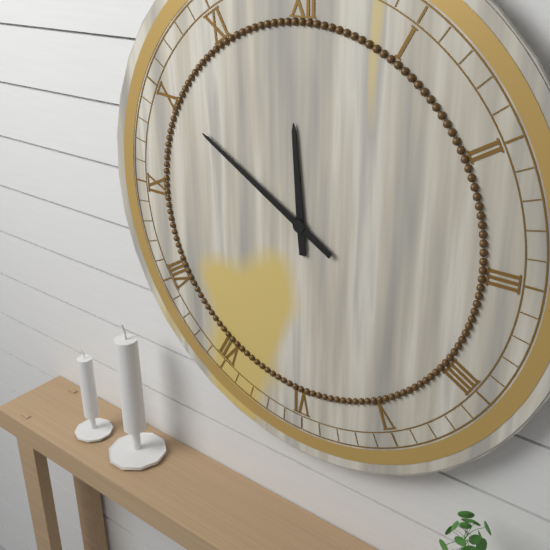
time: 11:50
